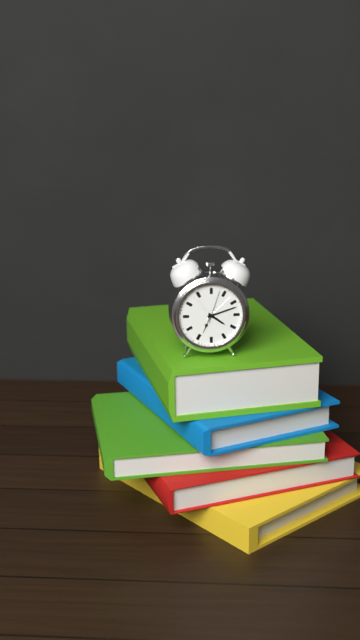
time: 4:12
